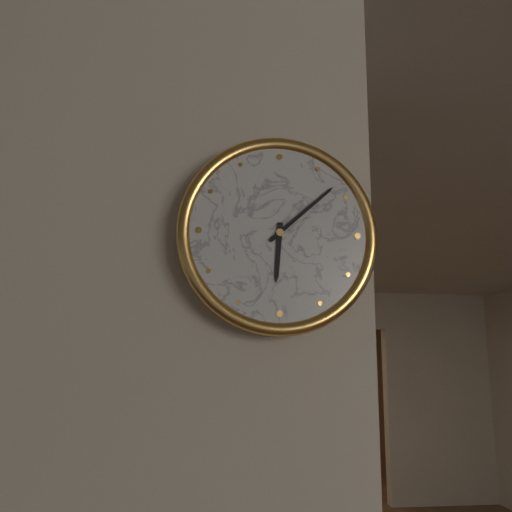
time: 6:08
